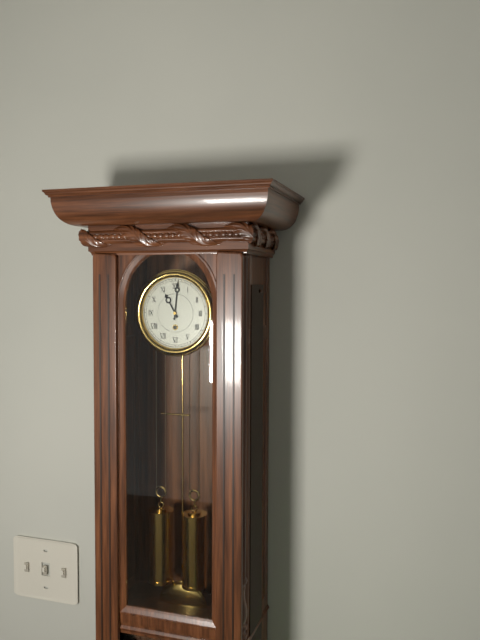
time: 11:01
